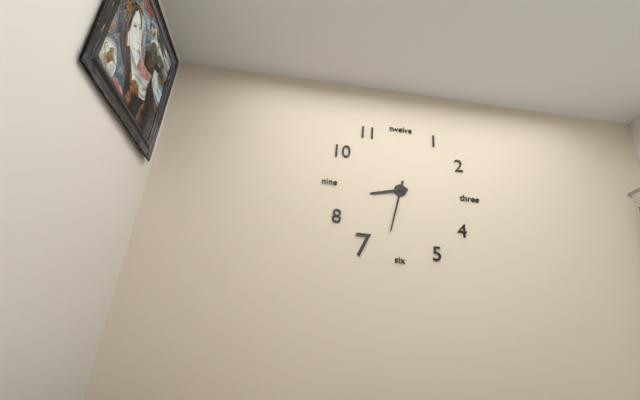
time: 8:32
